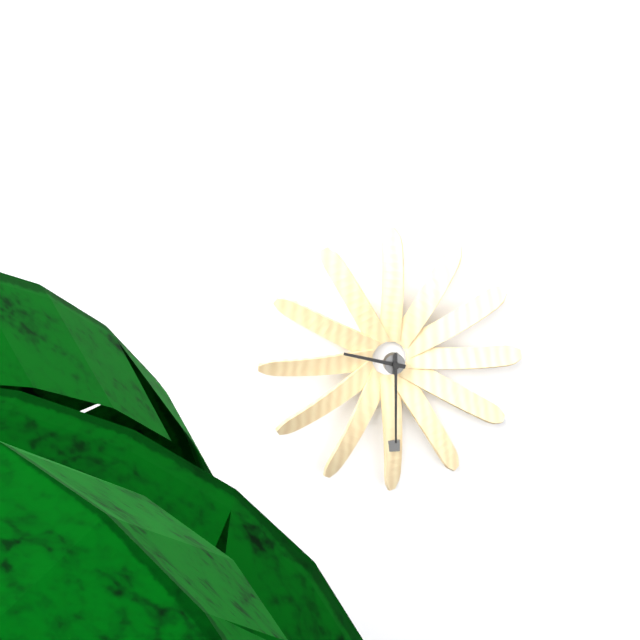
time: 9:30
